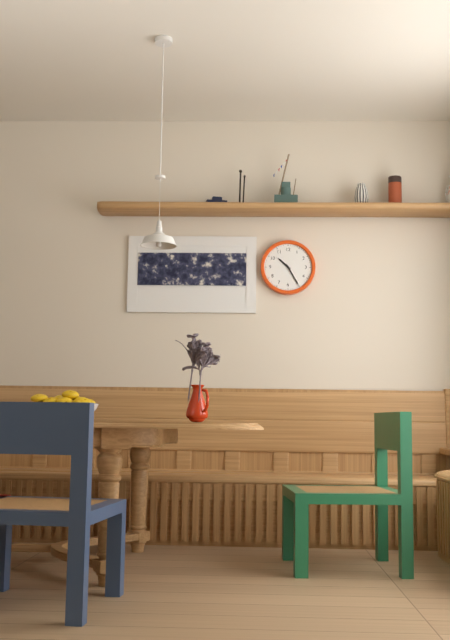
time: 10:25
